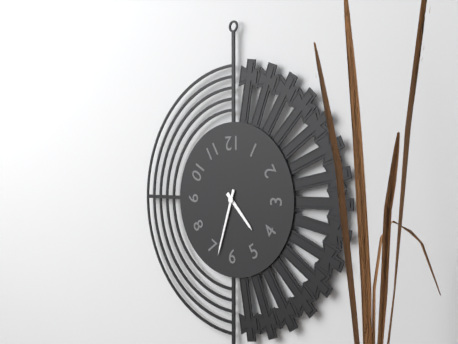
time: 4:33
